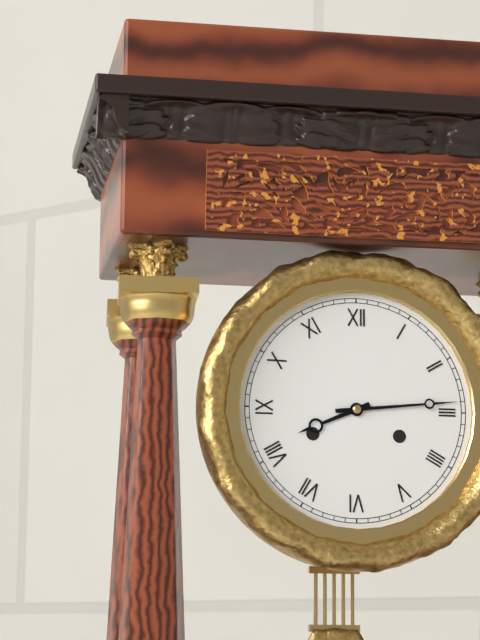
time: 8:14
